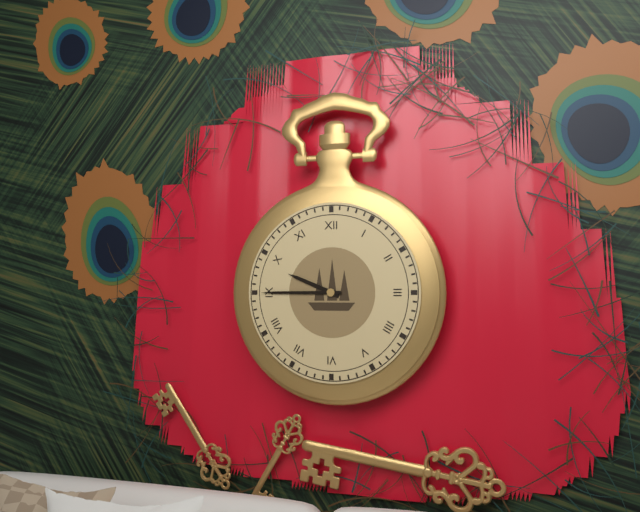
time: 9:45
